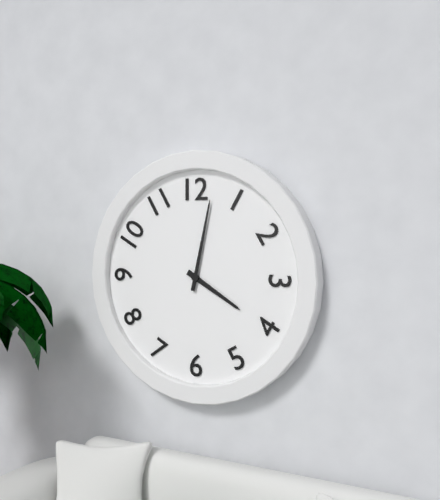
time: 4:02
